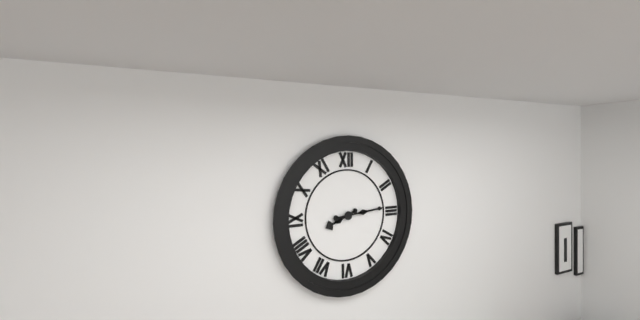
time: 8:14
